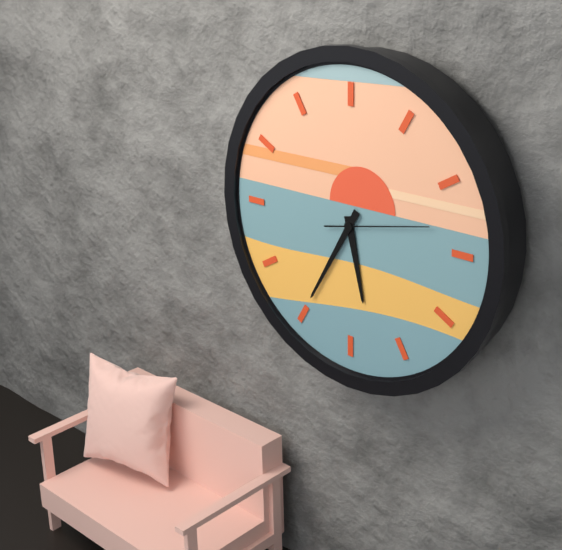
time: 5:35:13
